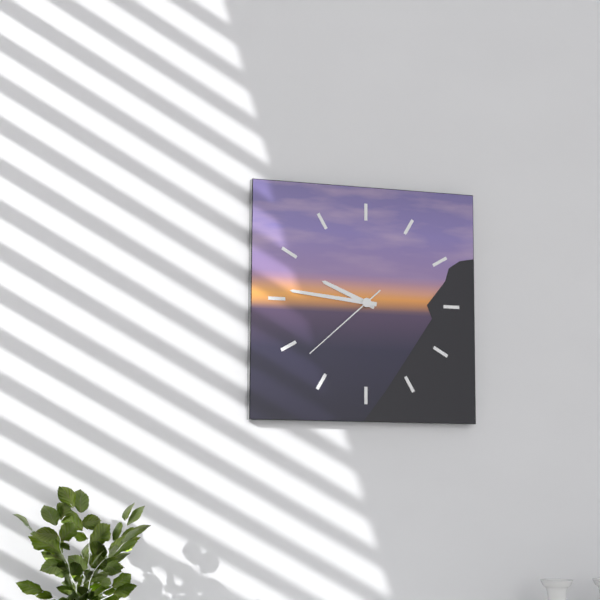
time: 9:46:38
